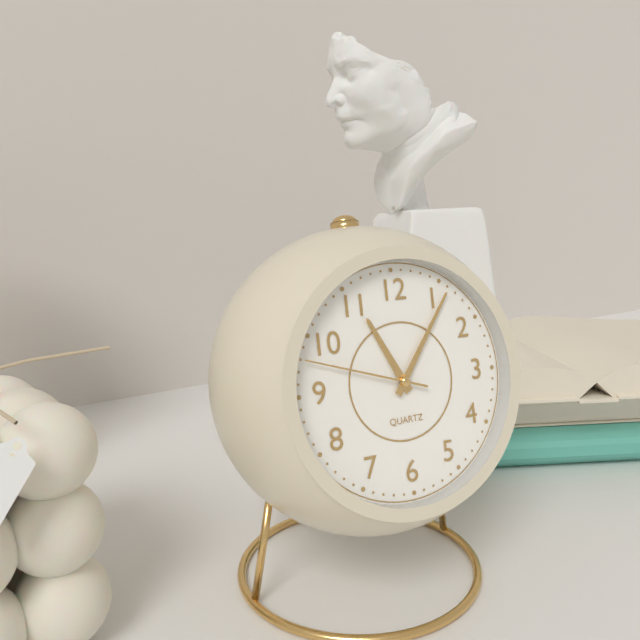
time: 11:06:48
